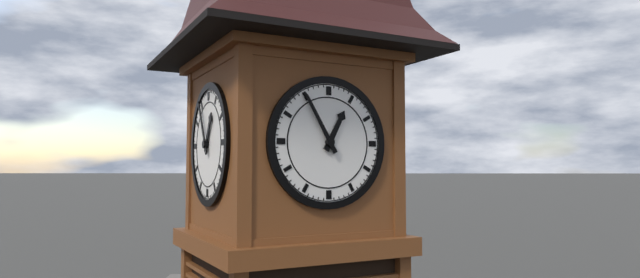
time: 12:55
